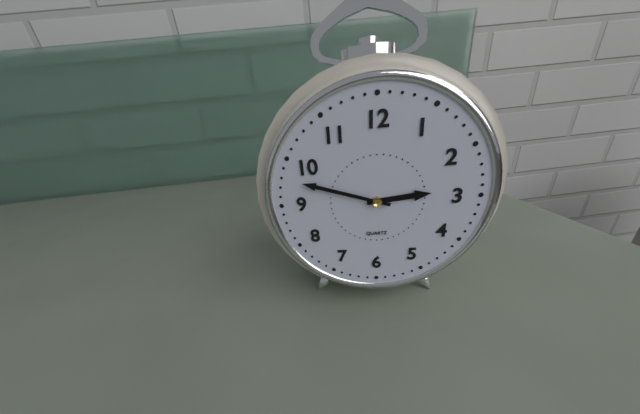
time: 2:48
